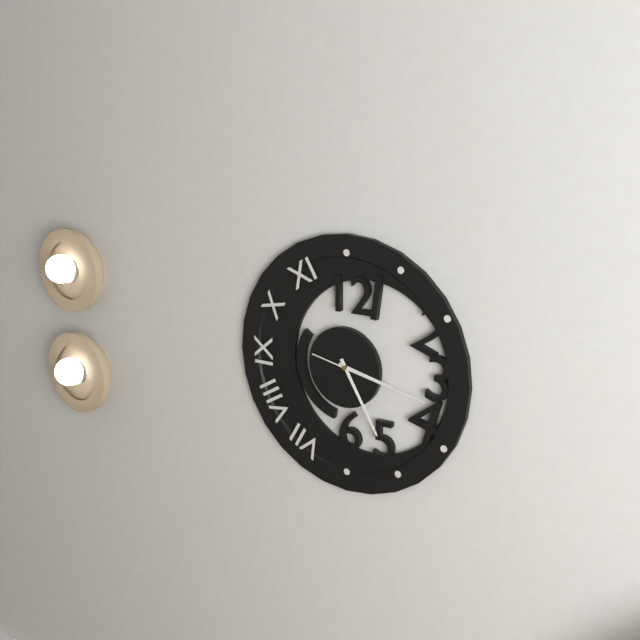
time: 3:25:17
